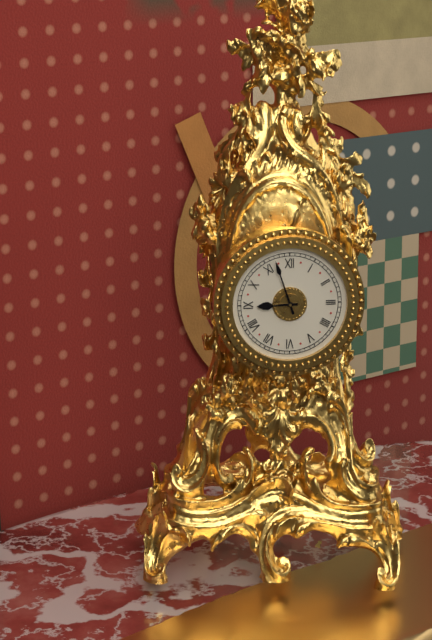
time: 8:57
